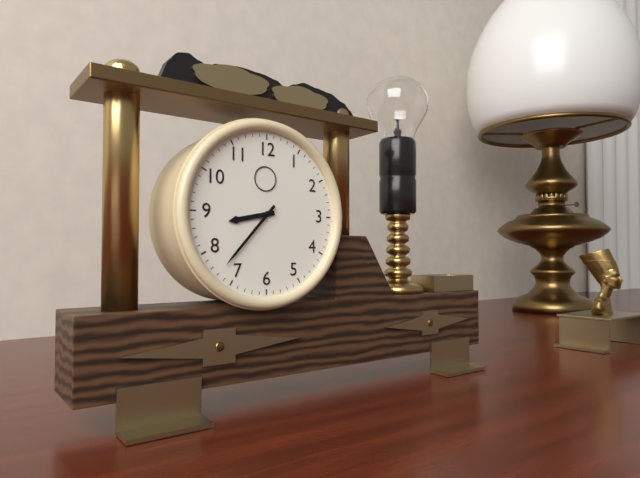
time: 8:37
